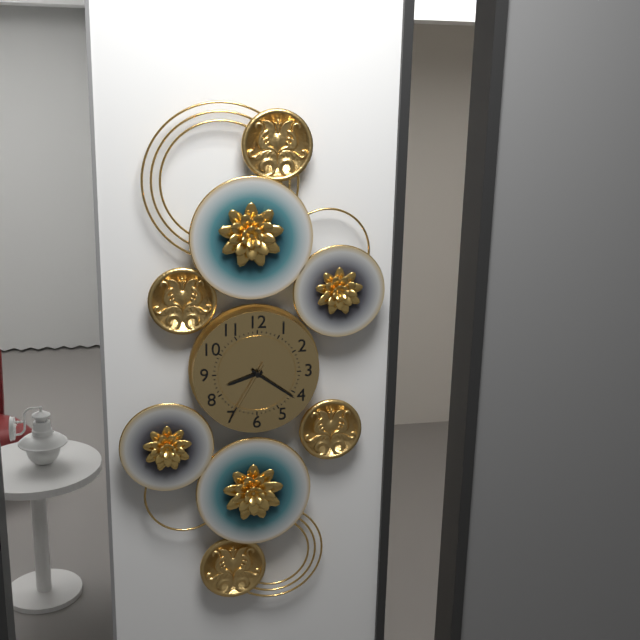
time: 8:21:35
